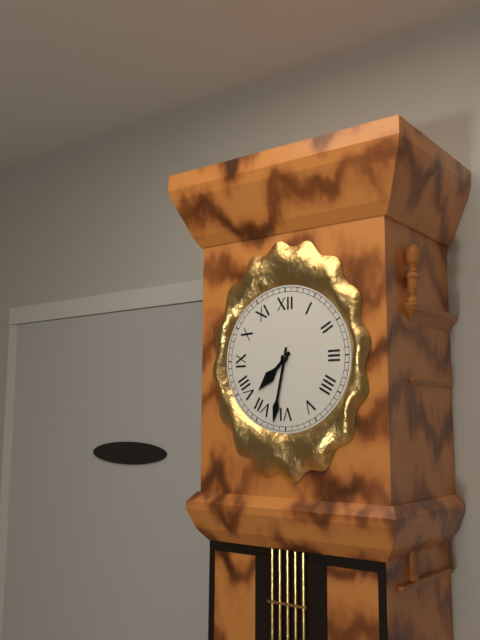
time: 7:32
